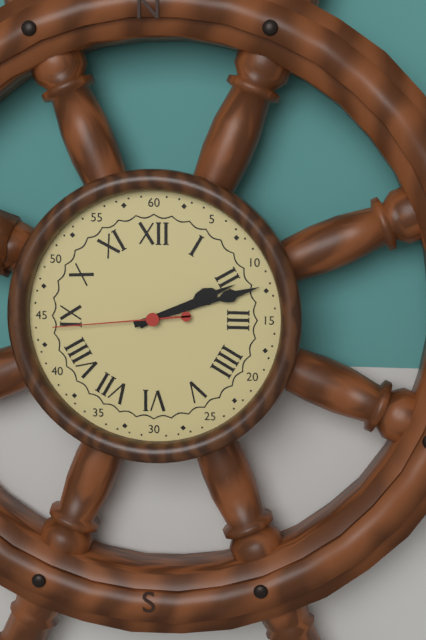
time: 2:12:44
